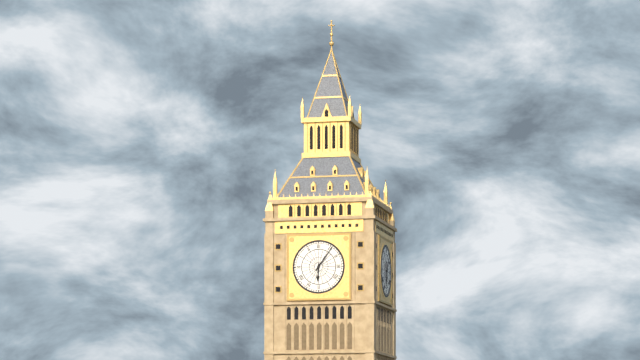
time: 6:06
